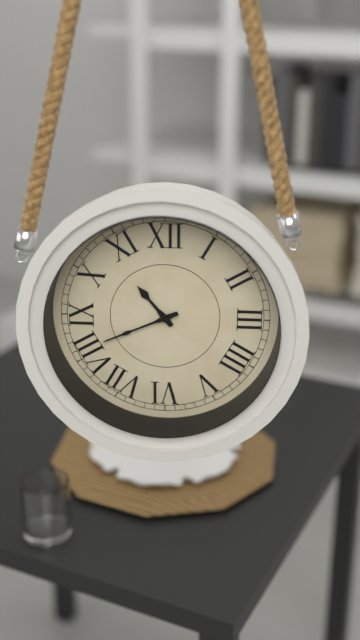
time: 10:41
